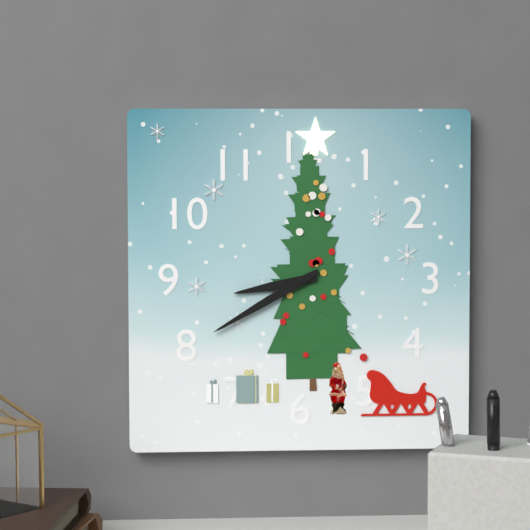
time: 8:40
